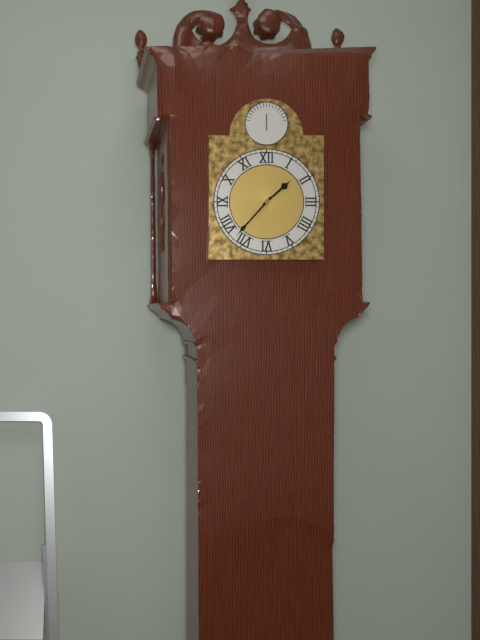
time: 1:37
